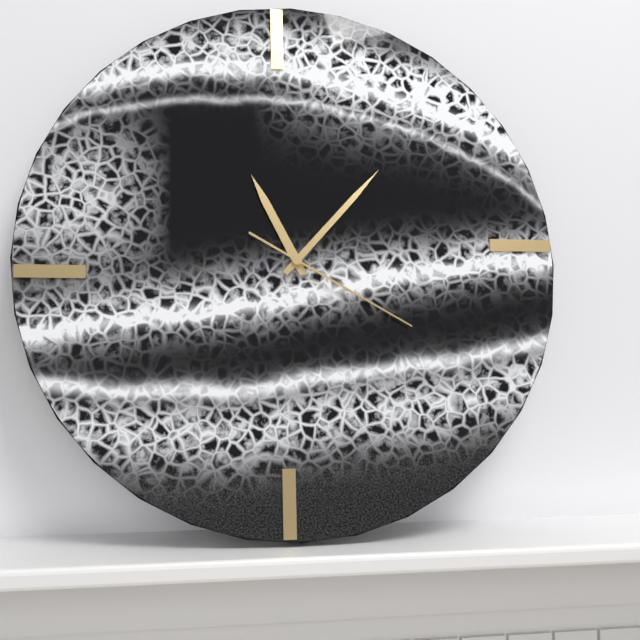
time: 11:07:20
